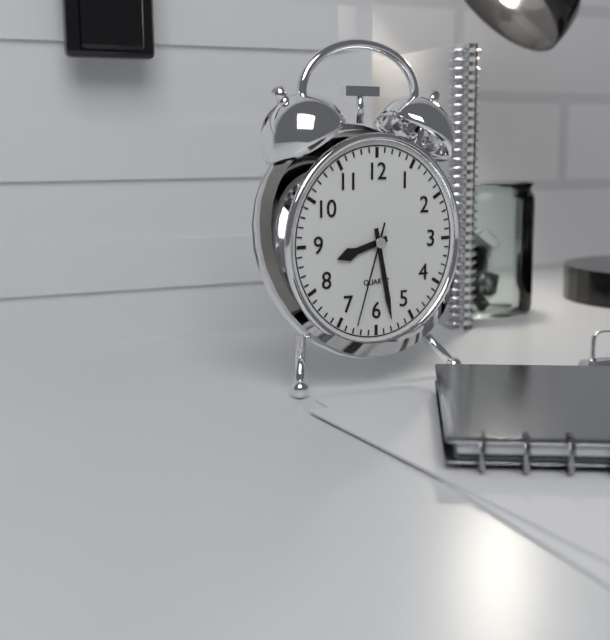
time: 8:28:33
